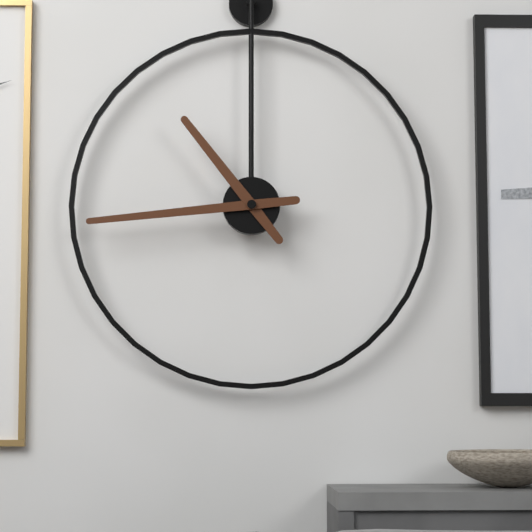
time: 10:44
